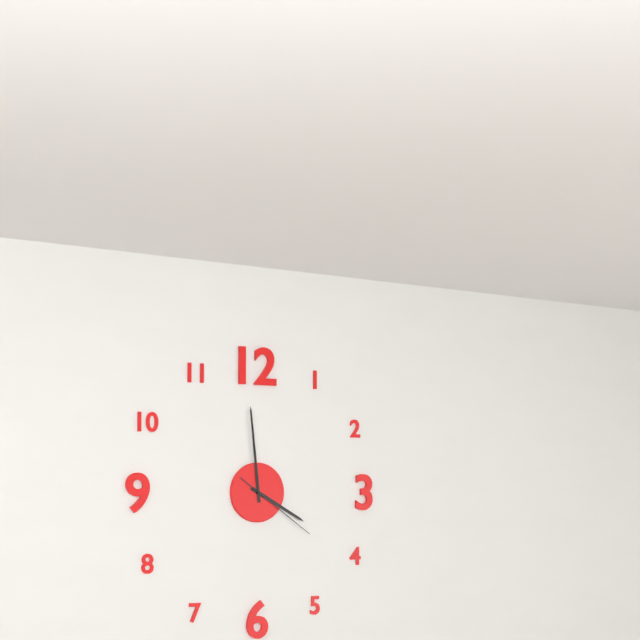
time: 3:59:21
